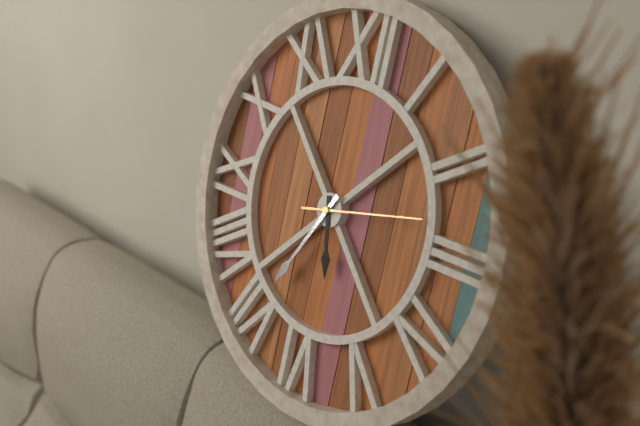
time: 5:35:13
